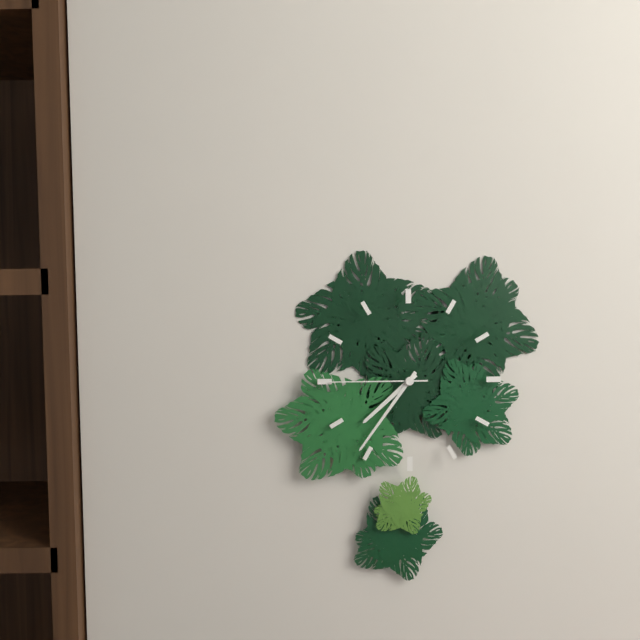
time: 7:36:45
